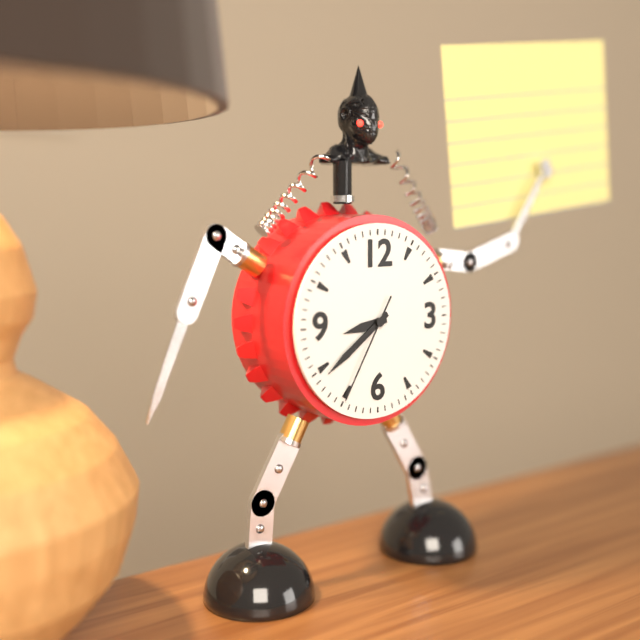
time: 8:39:35
